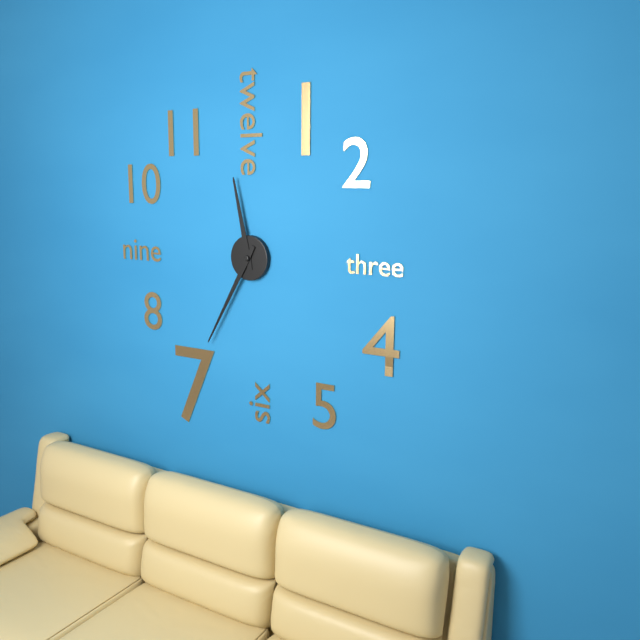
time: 11:35
